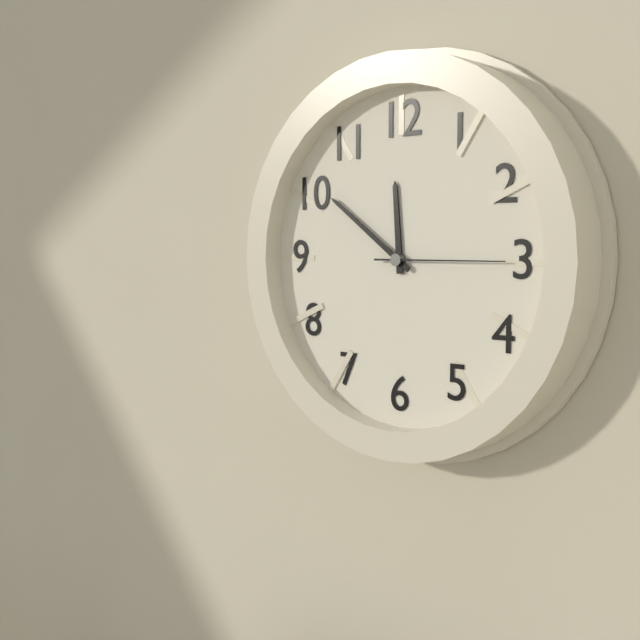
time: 11:51:15
